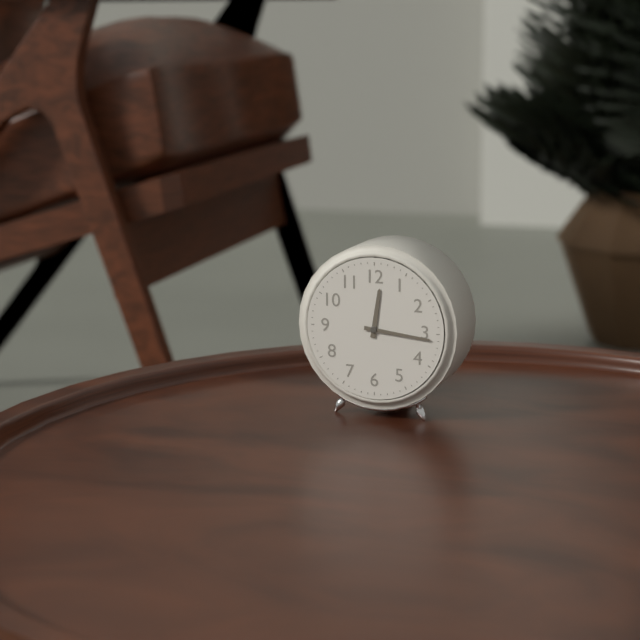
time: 12:16
